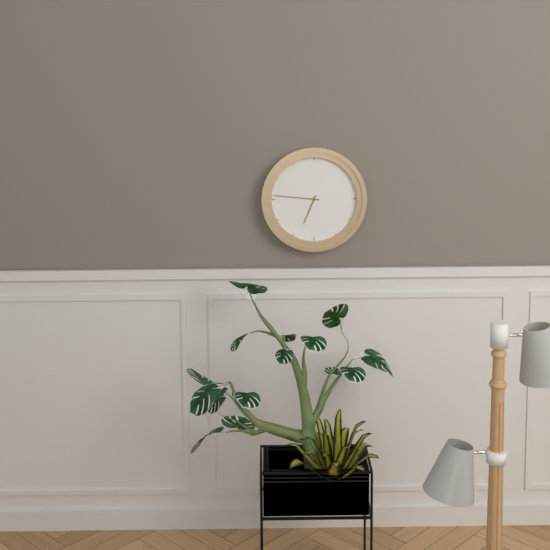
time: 6:46
